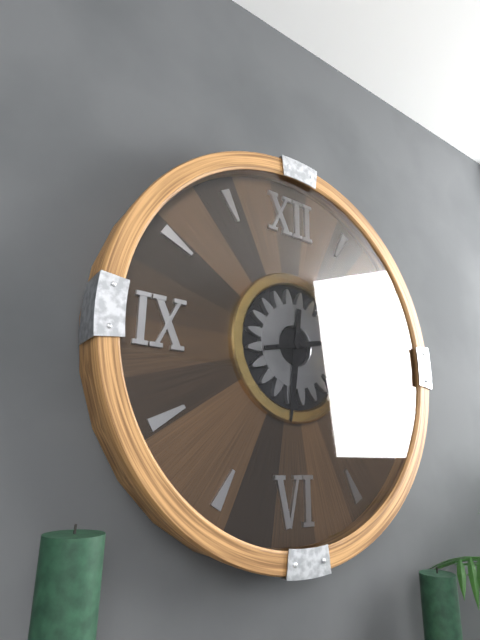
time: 6:13
